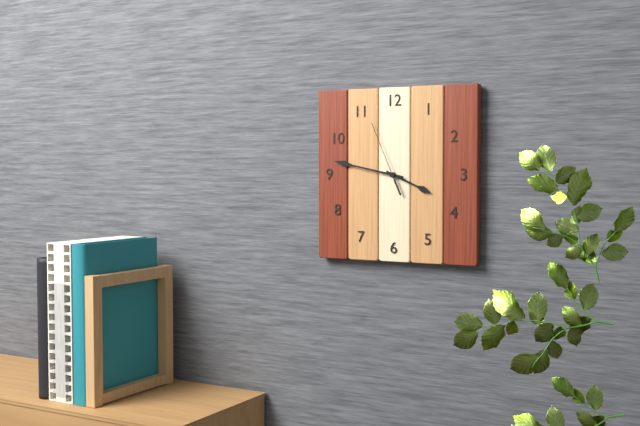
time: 3:47:56
